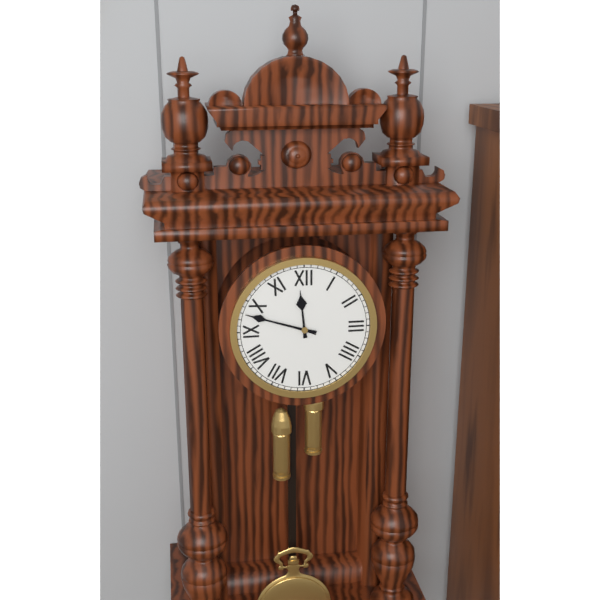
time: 11:48
